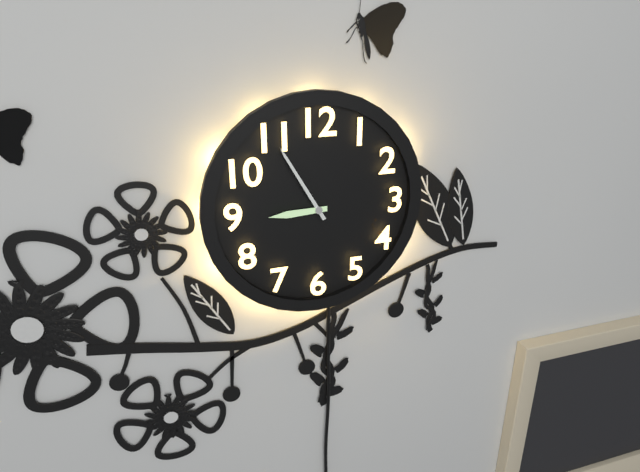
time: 8:55
